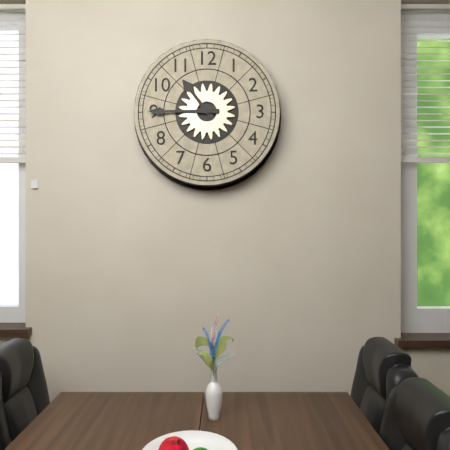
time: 10:45
